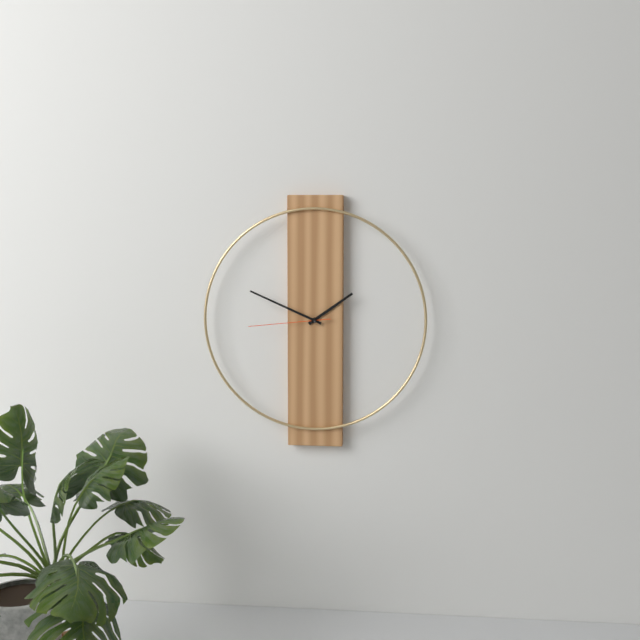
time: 1:49:44
